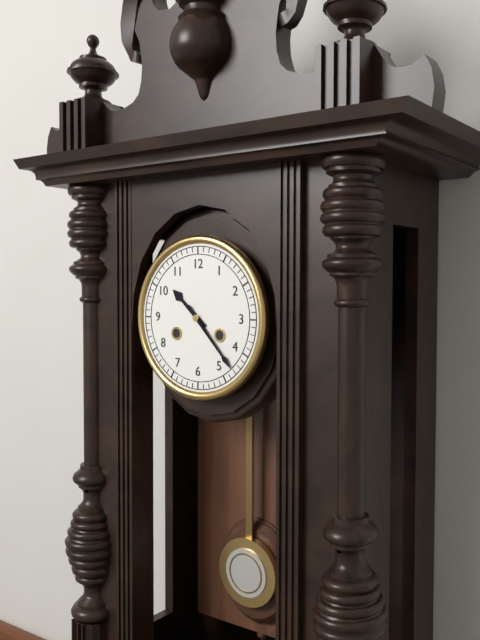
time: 10:23
